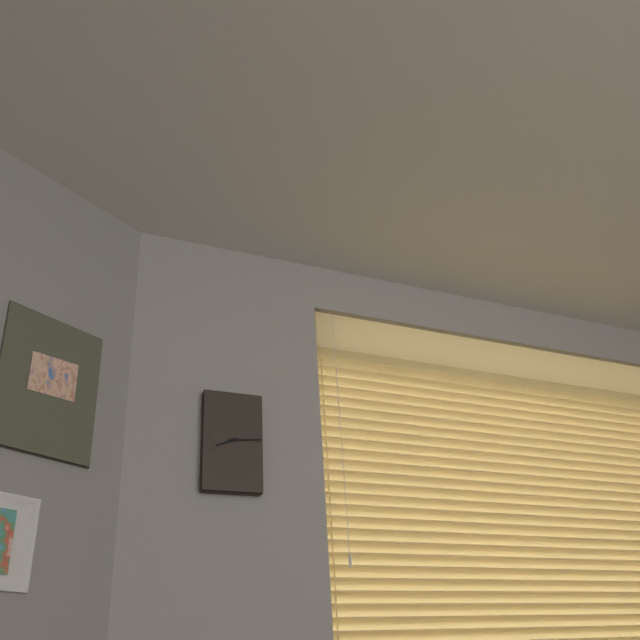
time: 8:14
